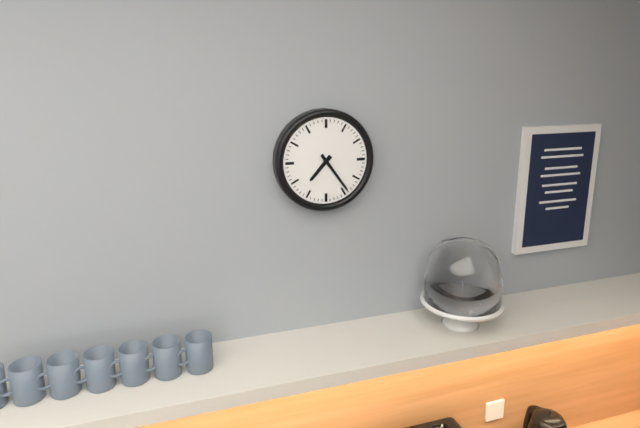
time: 7:24
